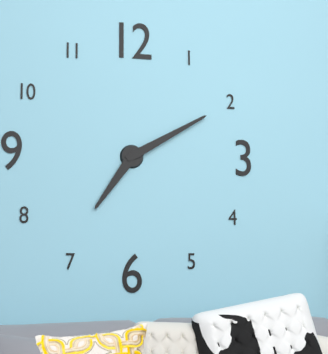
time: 7:10
